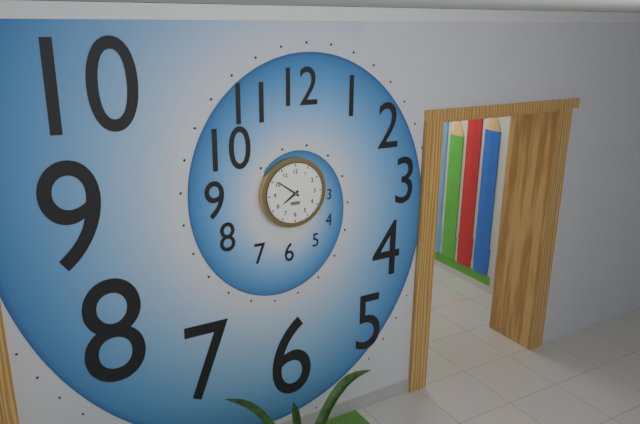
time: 7:51
